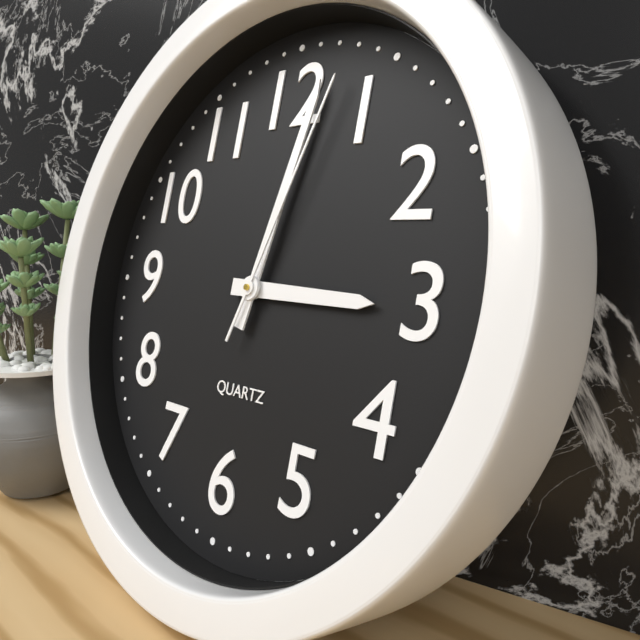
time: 3:02:03
